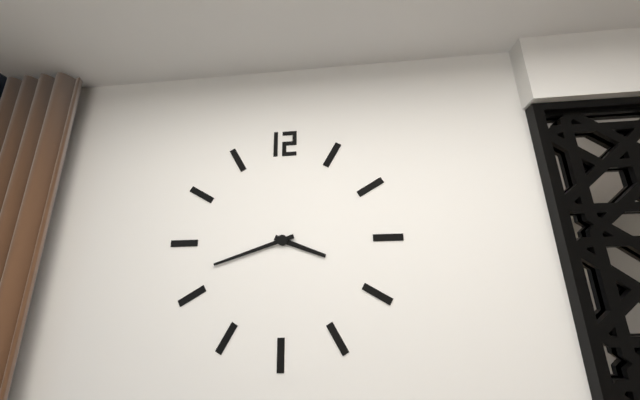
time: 3:42
